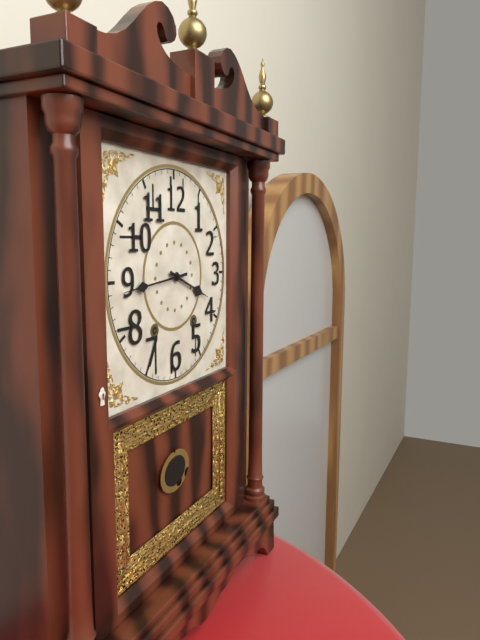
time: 3:44
